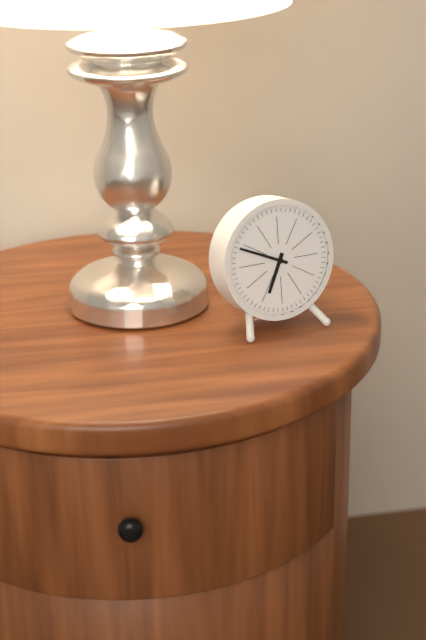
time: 6:49
